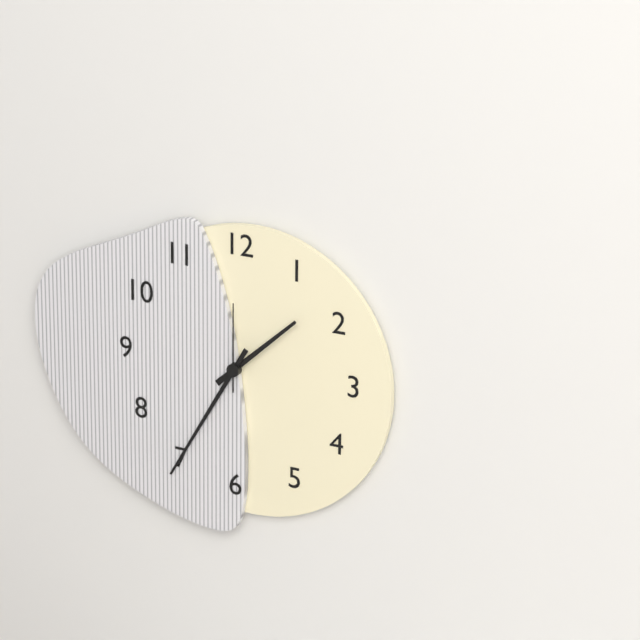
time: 1:35:00
